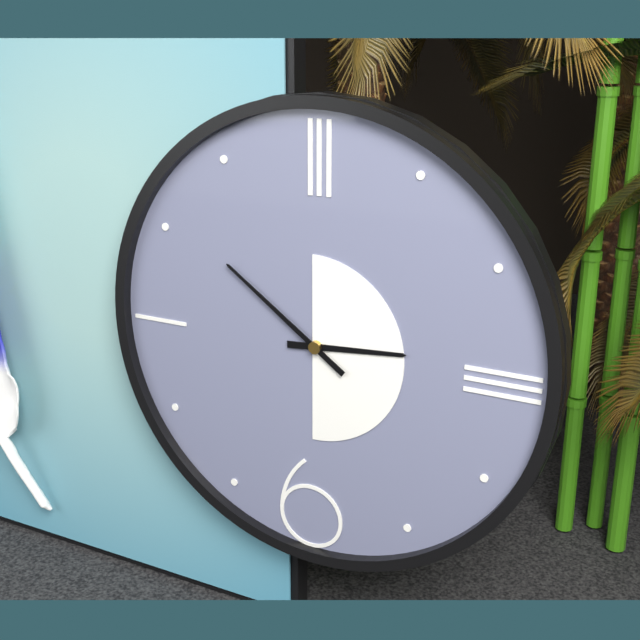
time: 2:51
